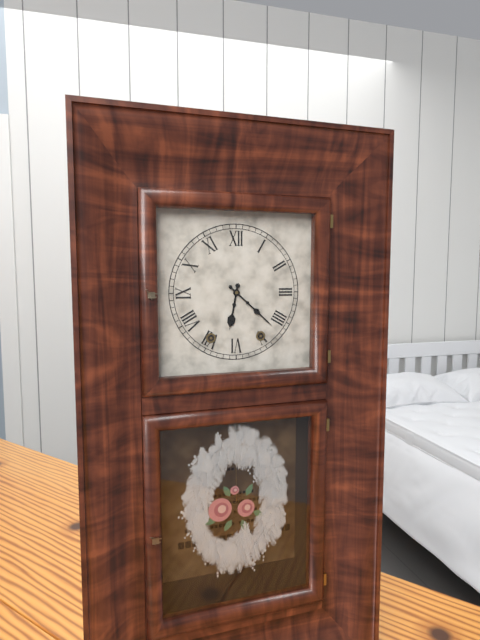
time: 6:22
